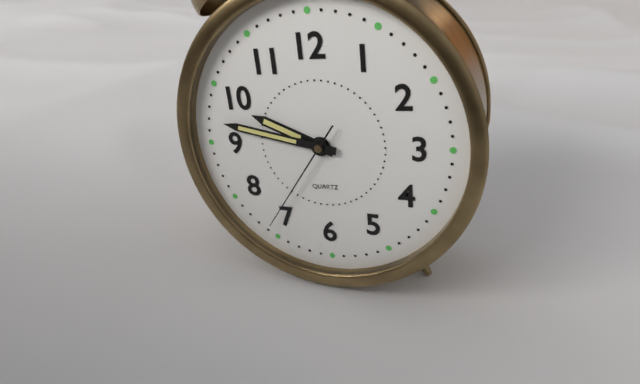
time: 9:47:36
